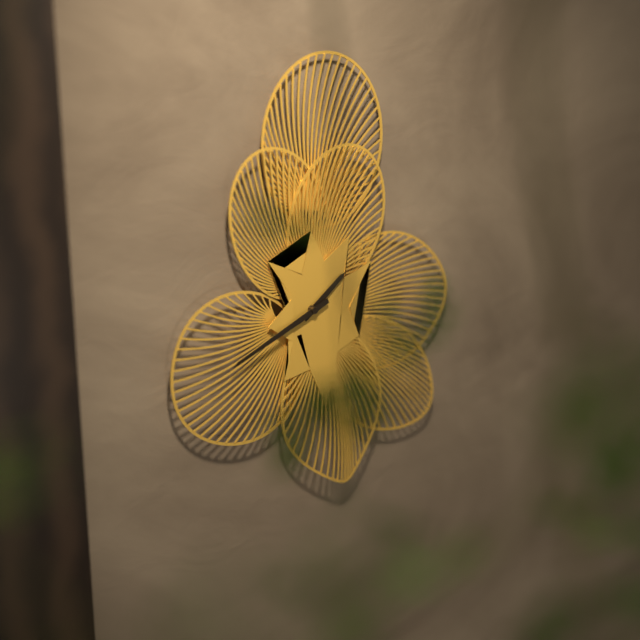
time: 1:41
